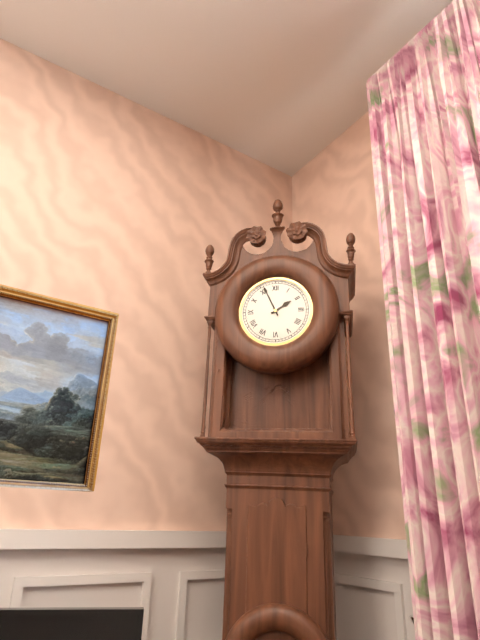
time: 1:56
